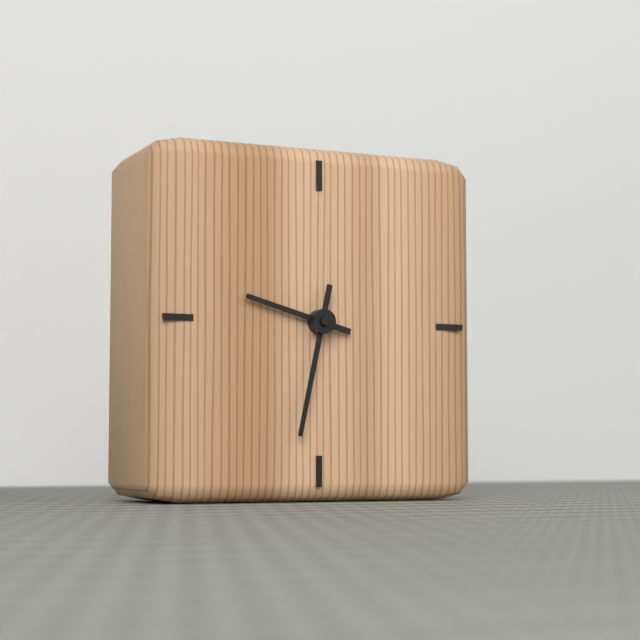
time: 9:32
